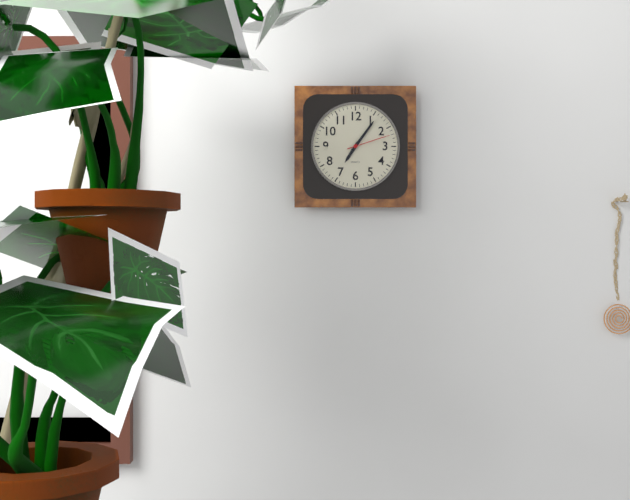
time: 7:06
